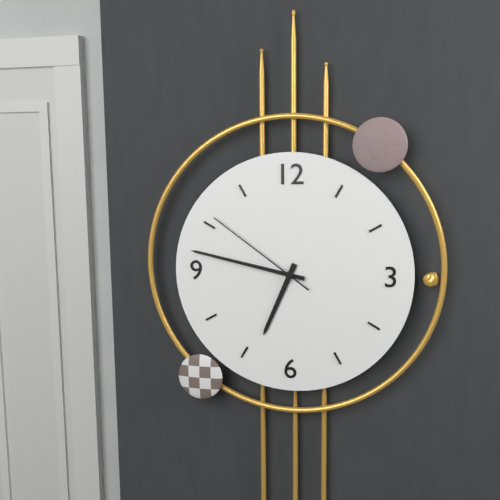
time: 6:47:51
